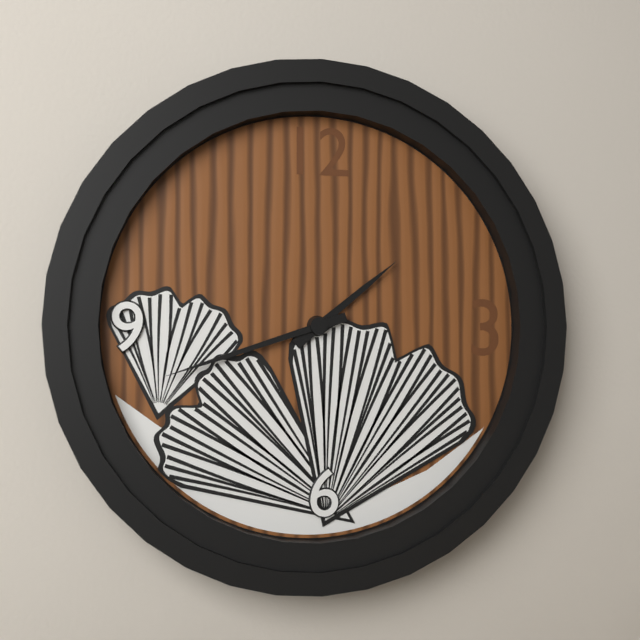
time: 1:42
